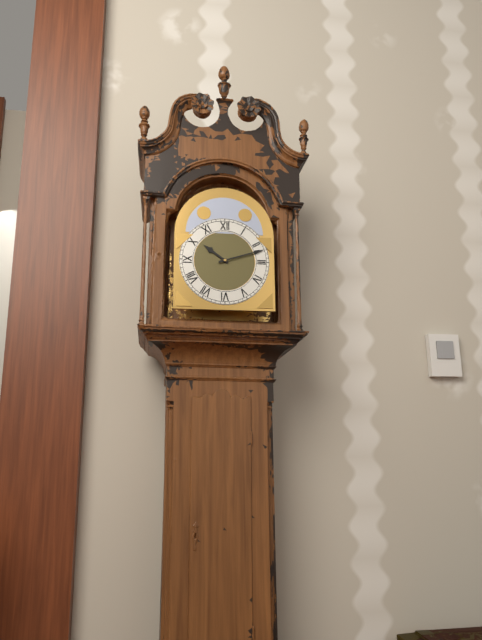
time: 10:12
